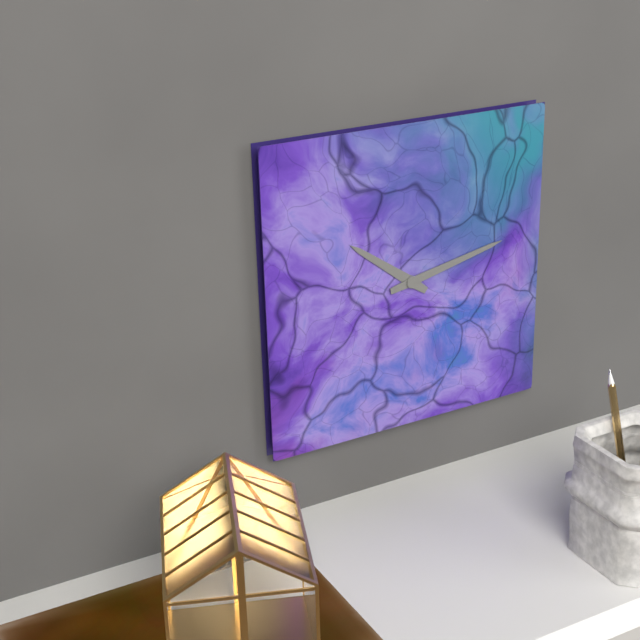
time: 10:13
